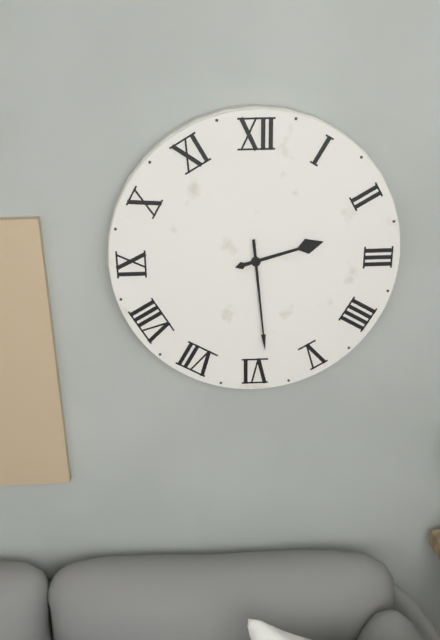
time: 2:29
